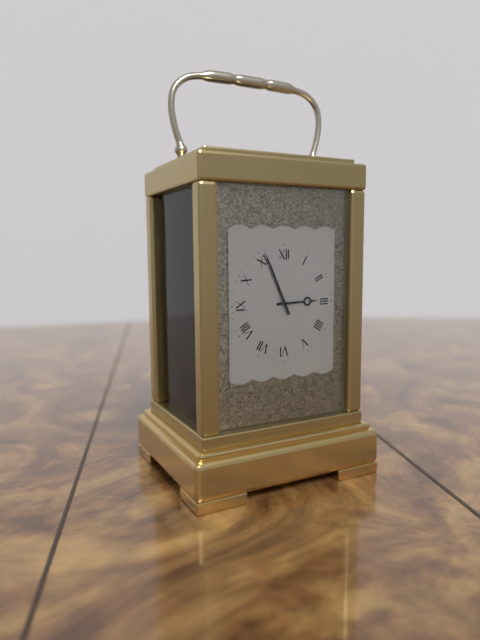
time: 2:56
